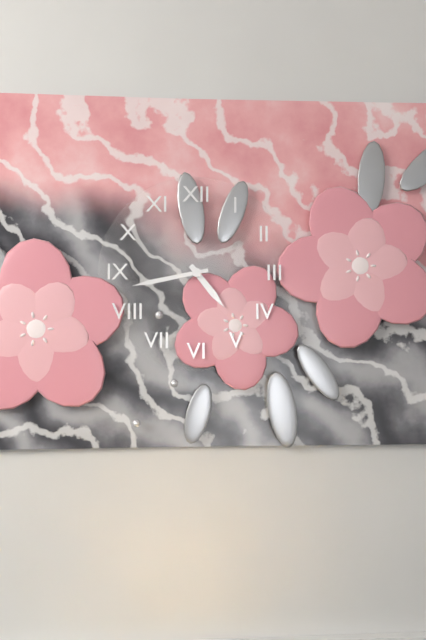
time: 4:43
